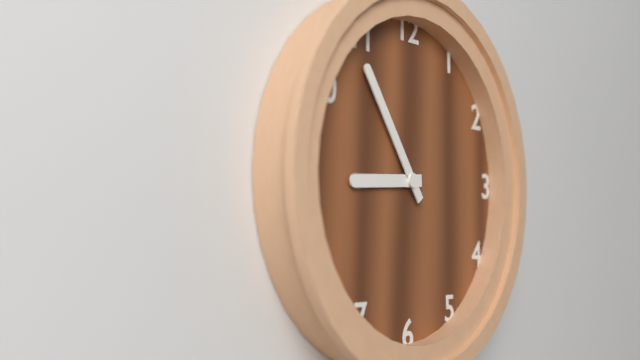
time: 8:54
